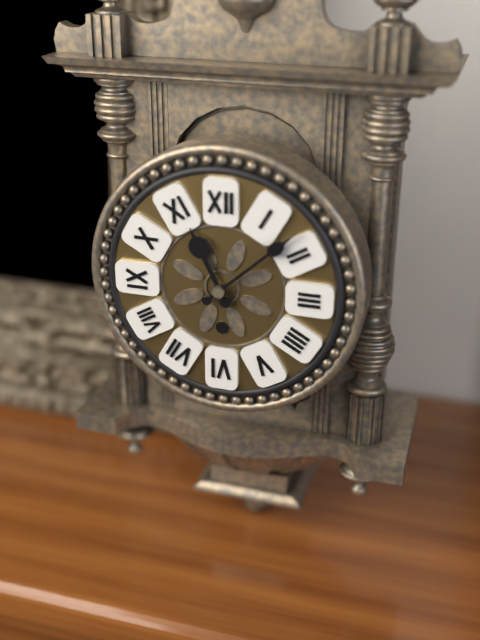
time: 11:08
